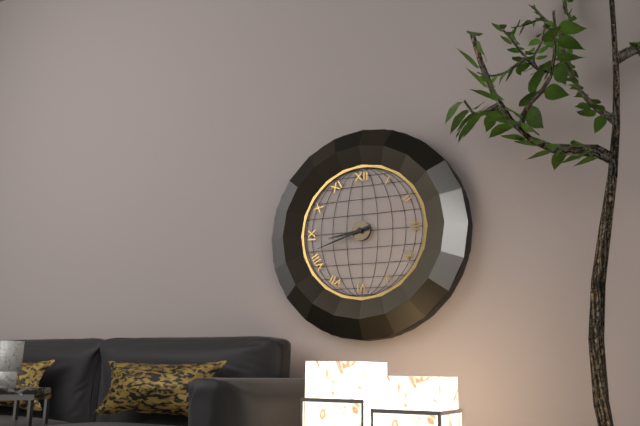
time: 8:42
